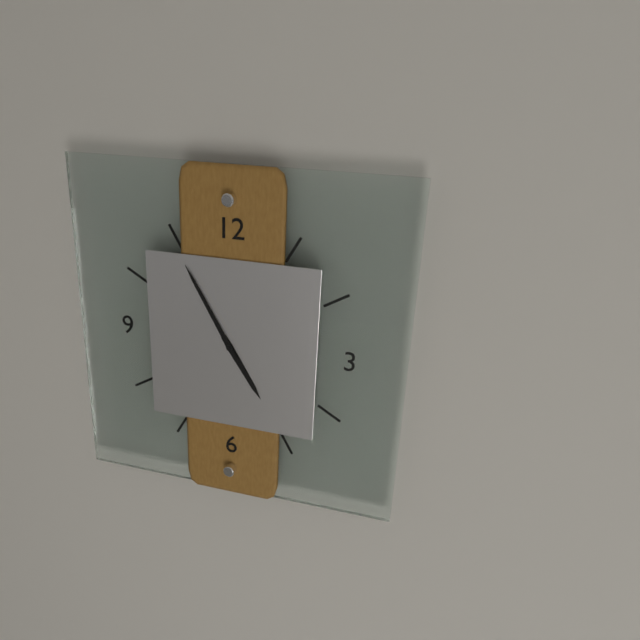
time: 4:55
